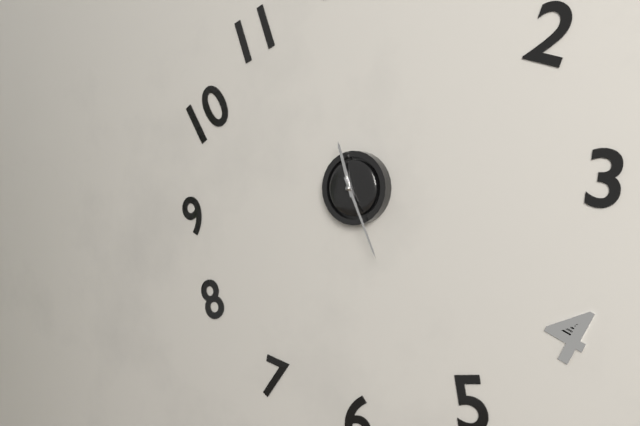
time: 11:26
